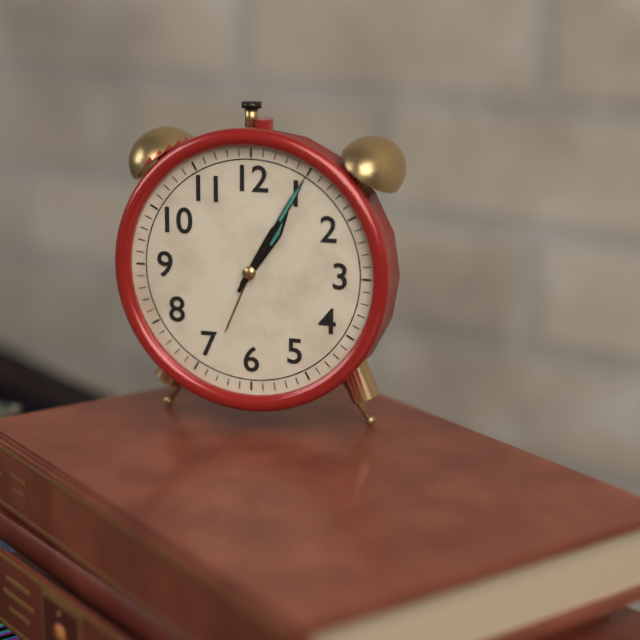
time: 1:05
